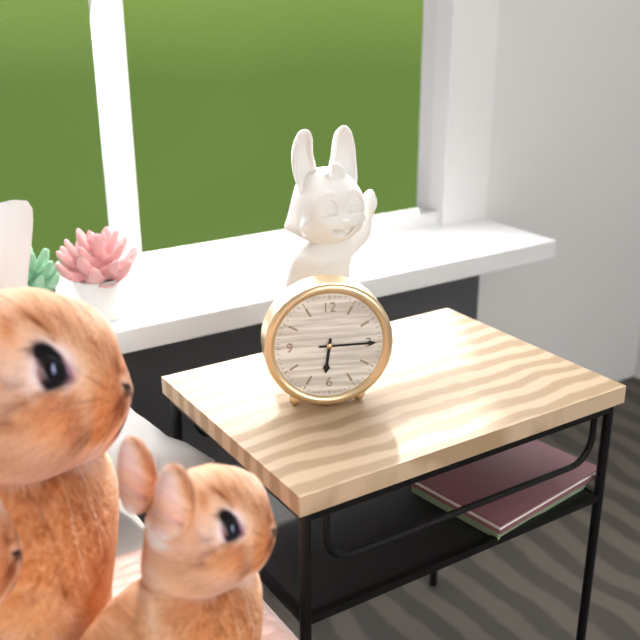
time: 6:15
